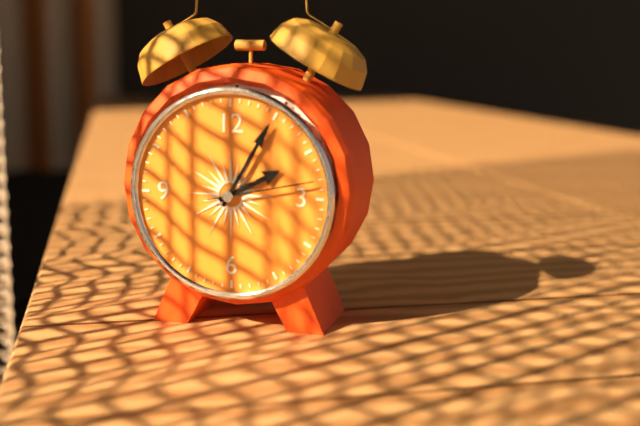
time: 2:05:13
